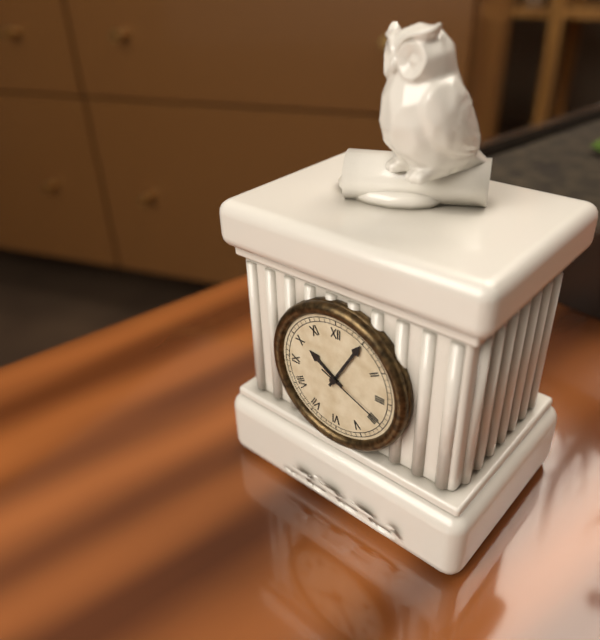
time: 10:05:19
